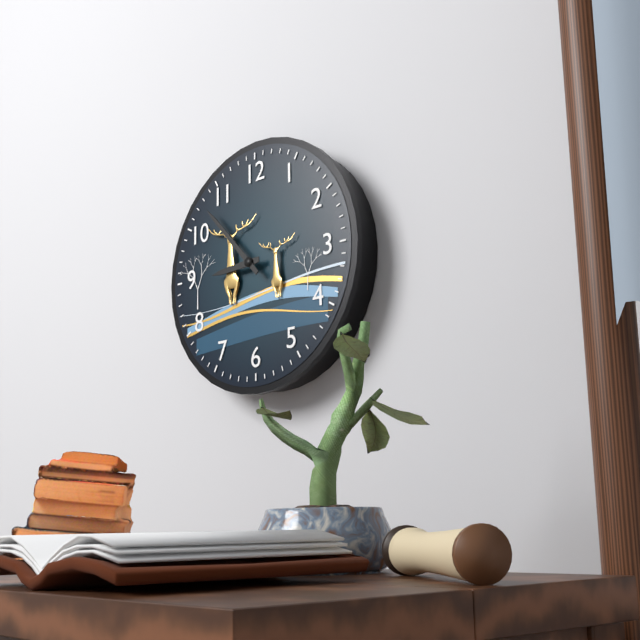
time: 8:53
